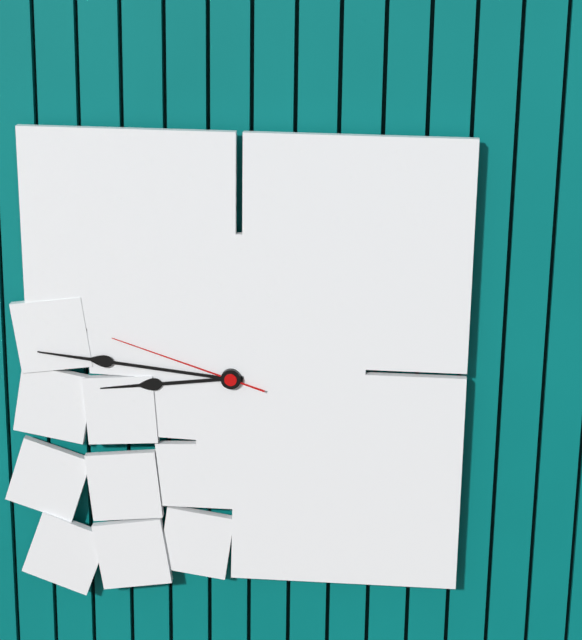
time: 8:46:48
